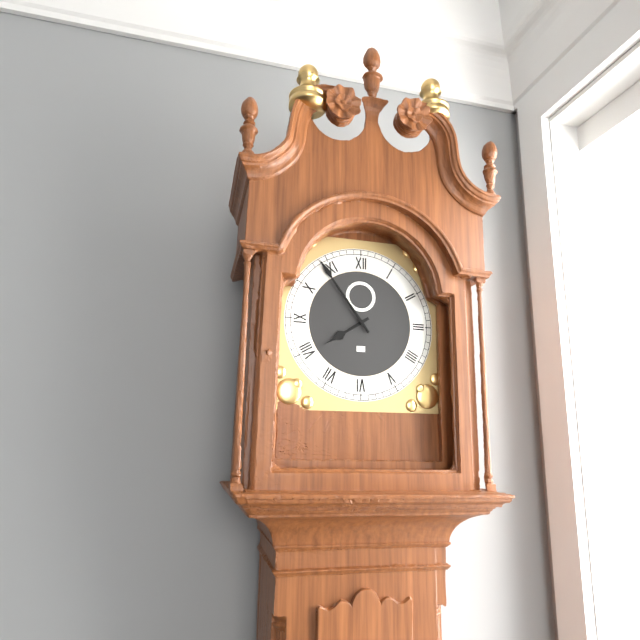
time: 7:54
